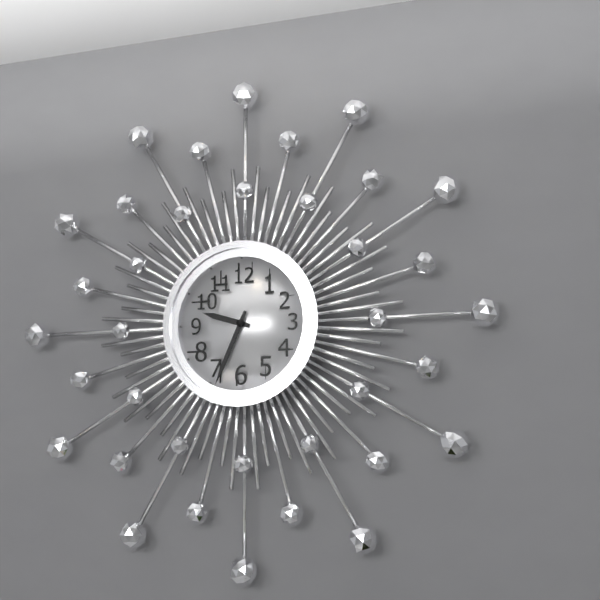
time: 9:34
